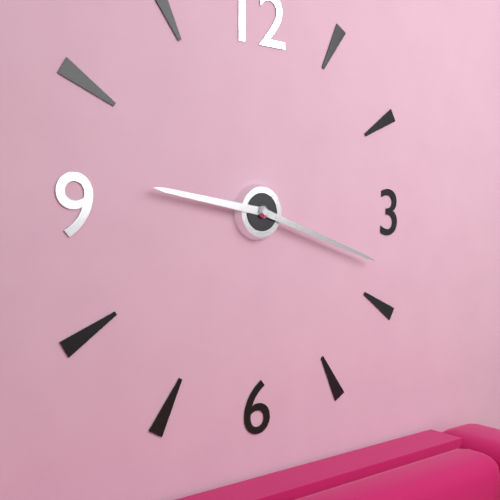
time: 9:18
